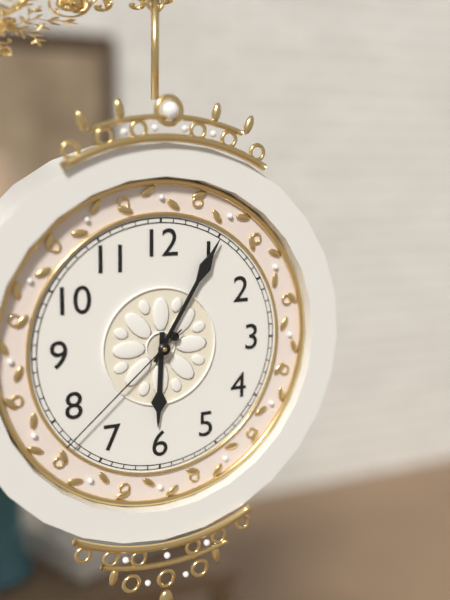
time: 6:05:38
